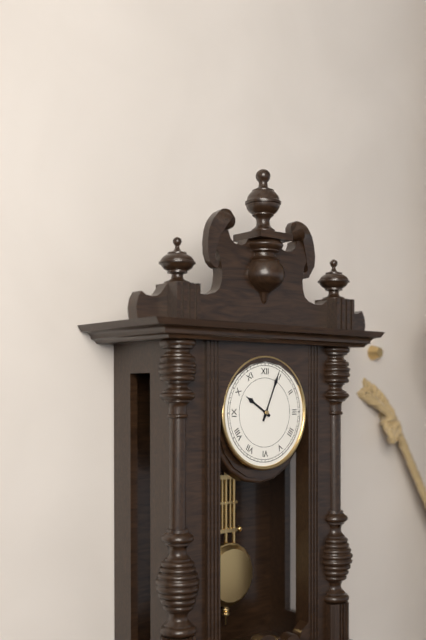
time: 10:04
